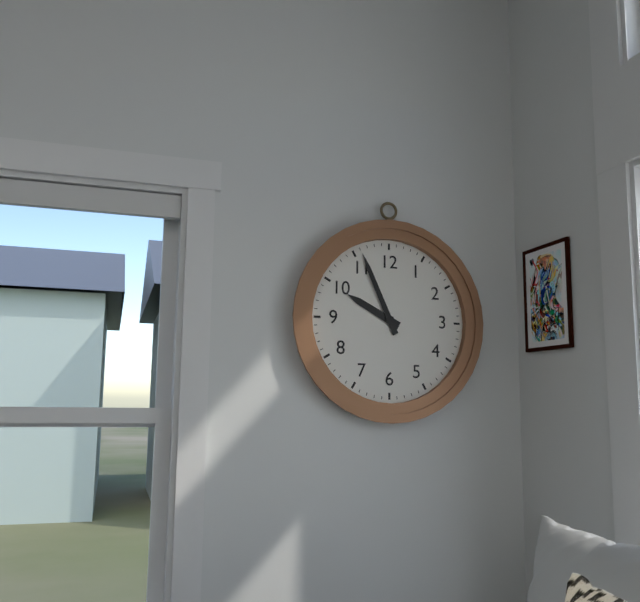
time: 9:56
